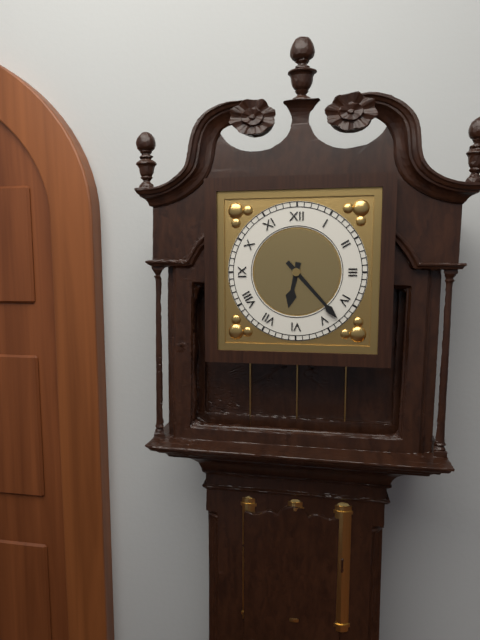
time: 6:23
